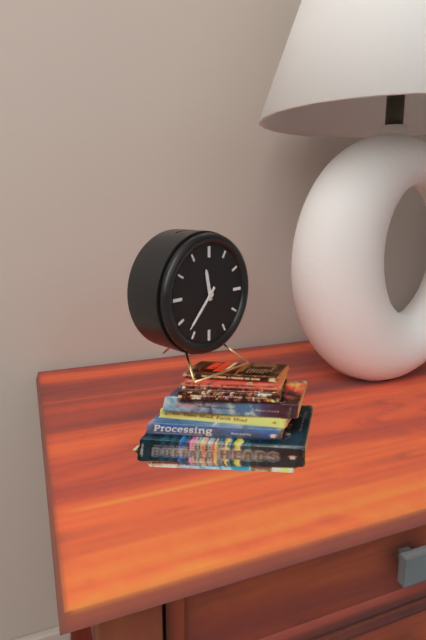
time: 11:37
